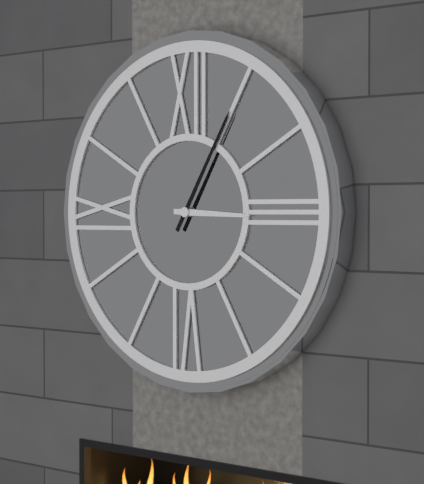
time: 3:05
